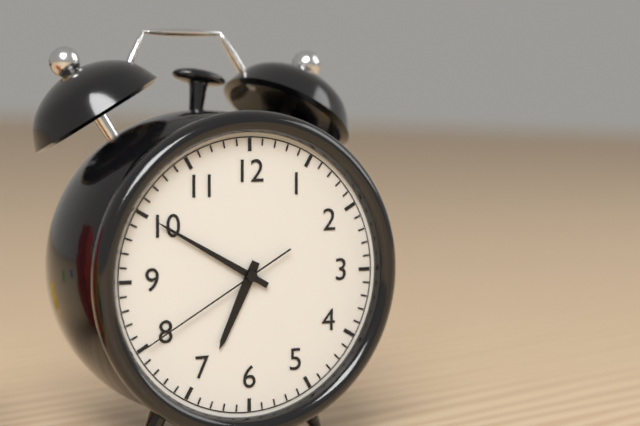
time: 6:50:40
